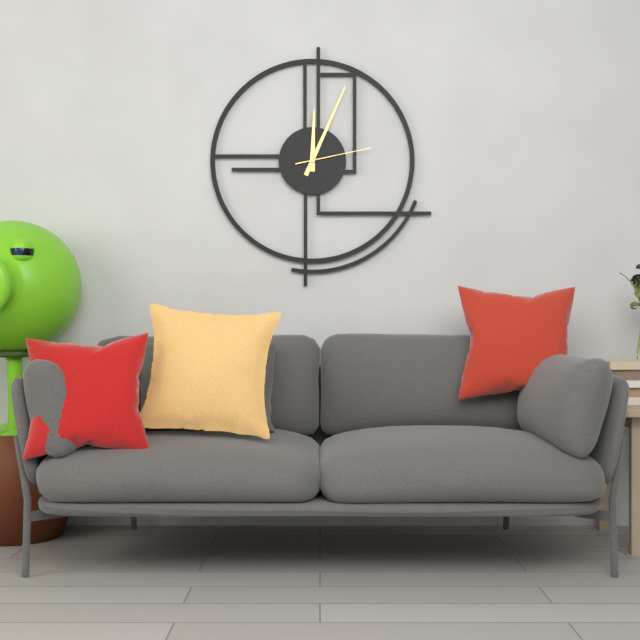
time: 12:04:13
